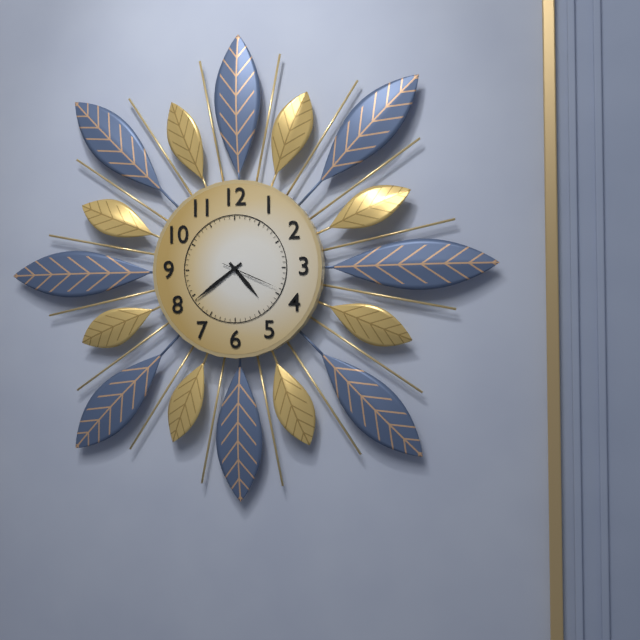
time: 4:39:19
